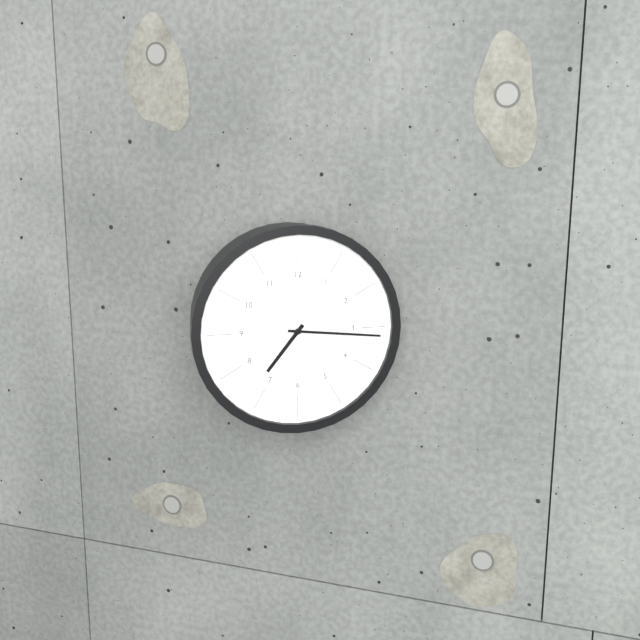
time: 7:16
